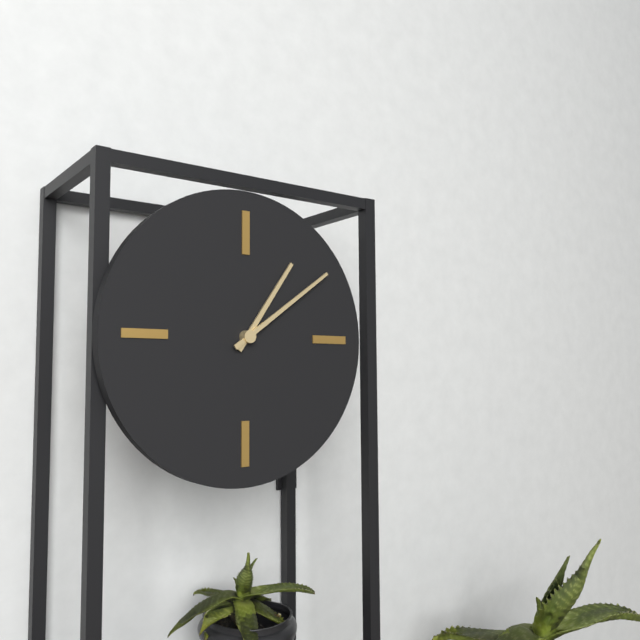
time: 1:09
